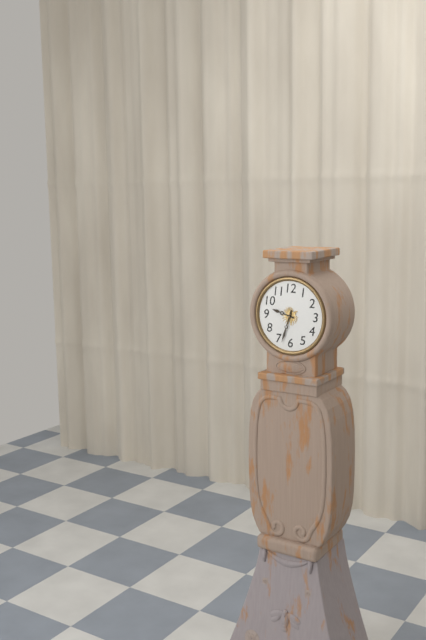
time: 9:33
